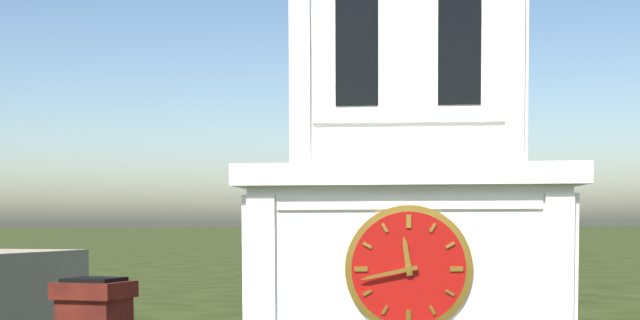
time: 11:43
